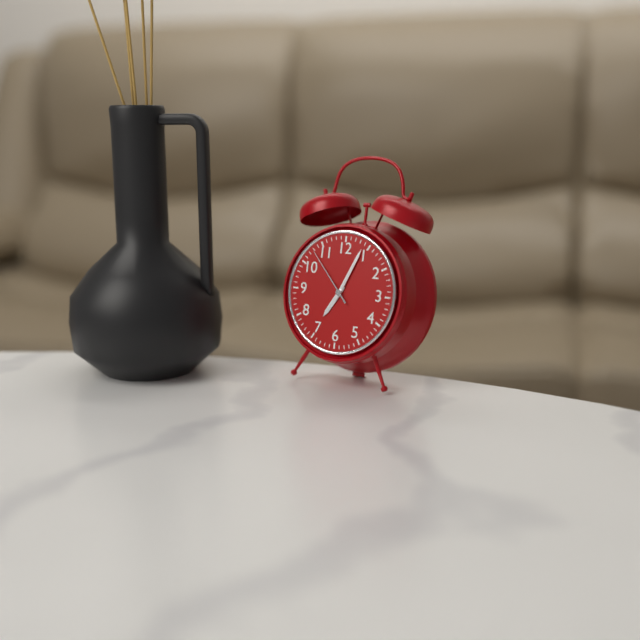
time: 7:04:53
